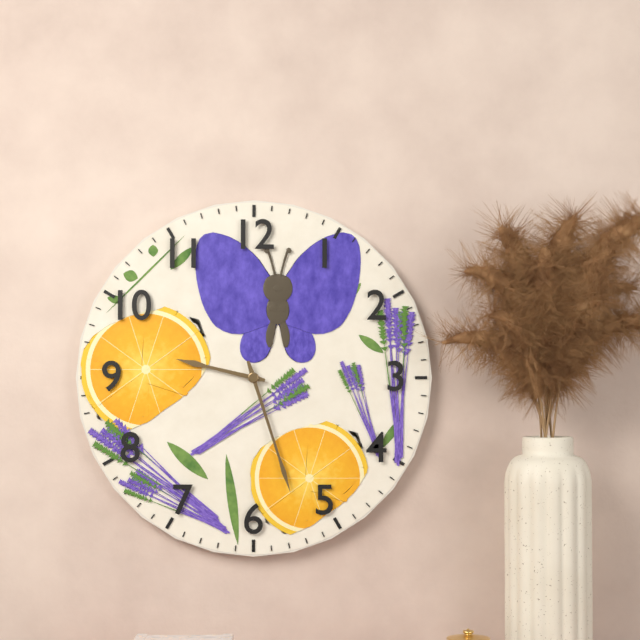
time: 9:27
